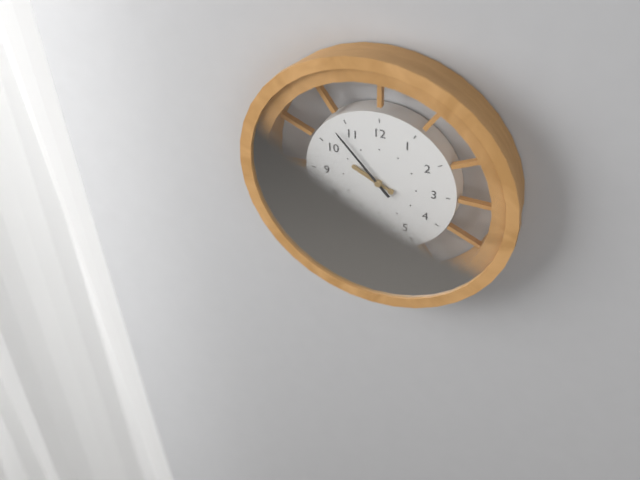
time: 9:53
